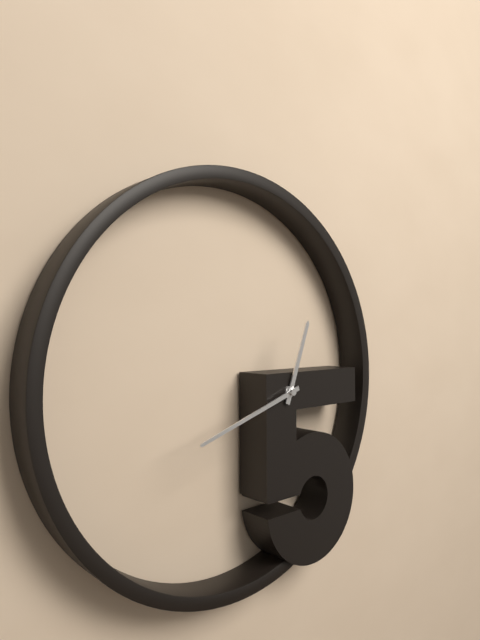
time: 12:42
